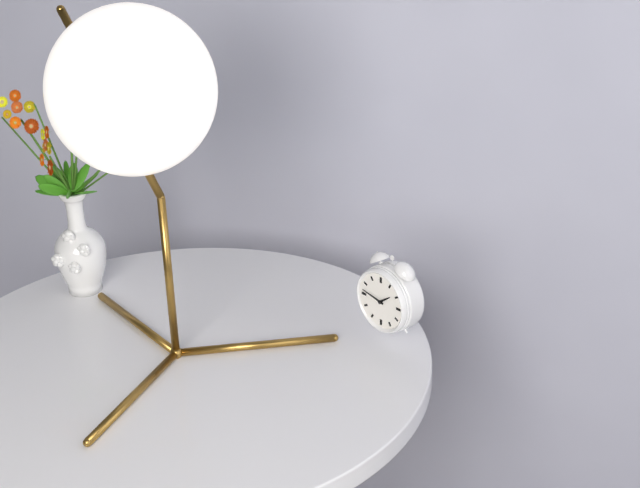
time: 1:47
